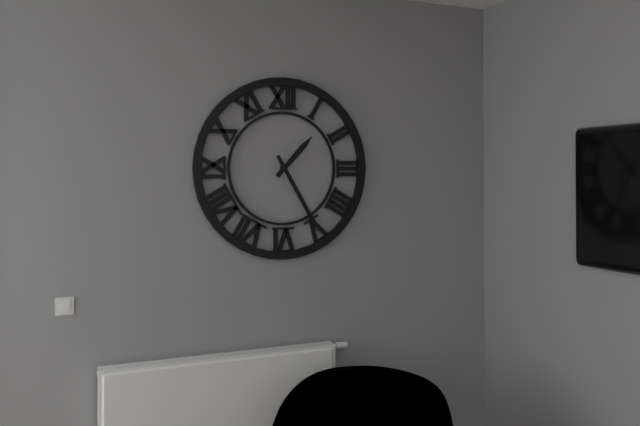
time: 1:25
